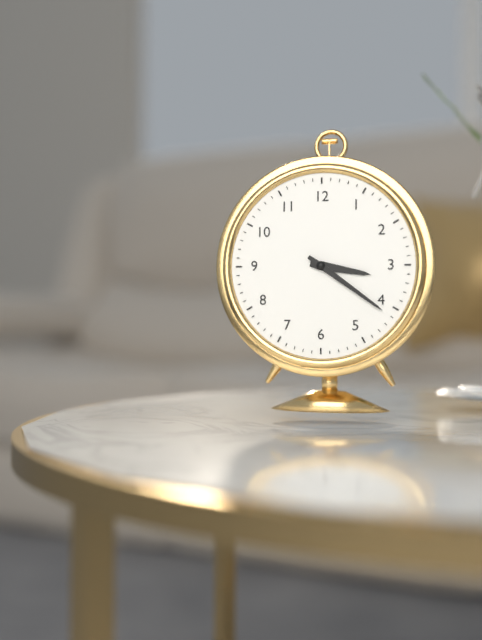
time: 3:21
